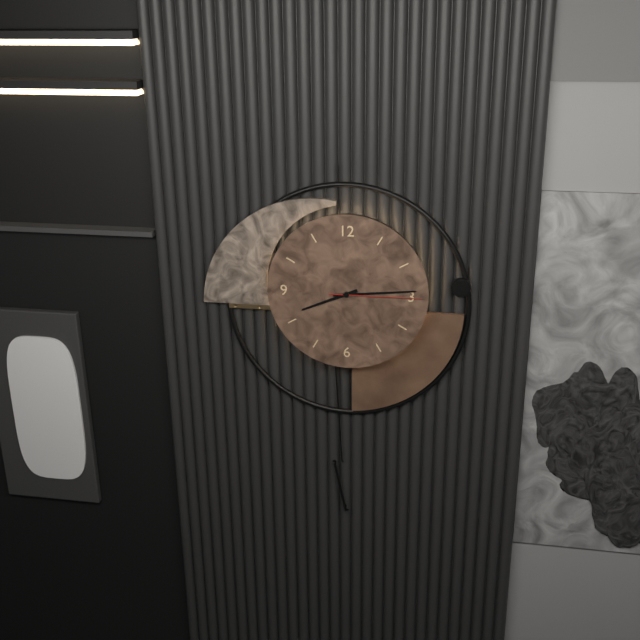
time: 8:14:15
